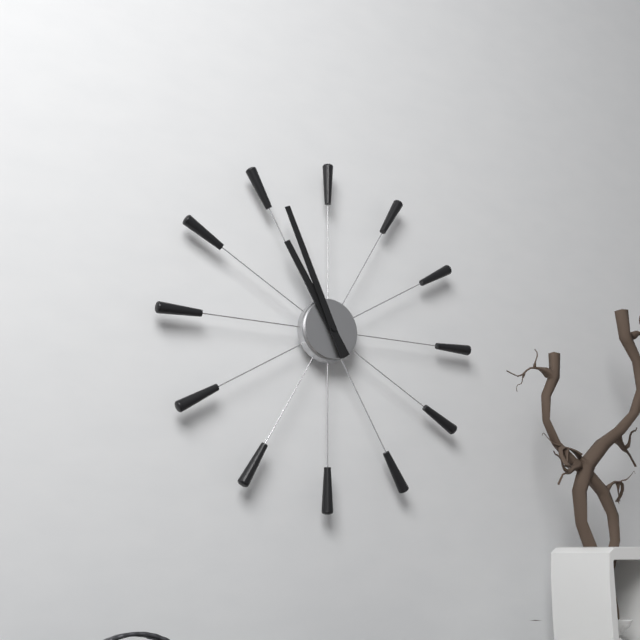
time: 10:56
